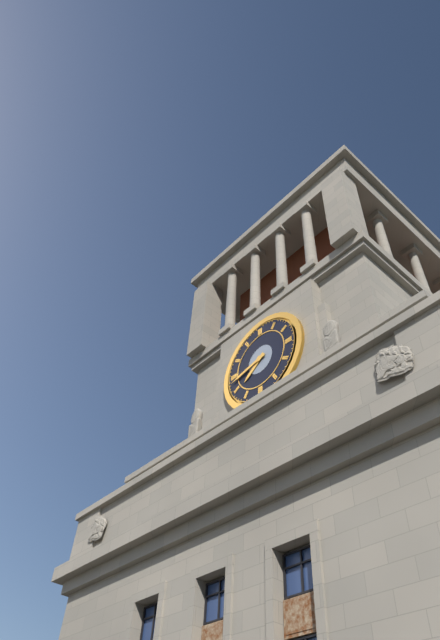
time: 7:43
